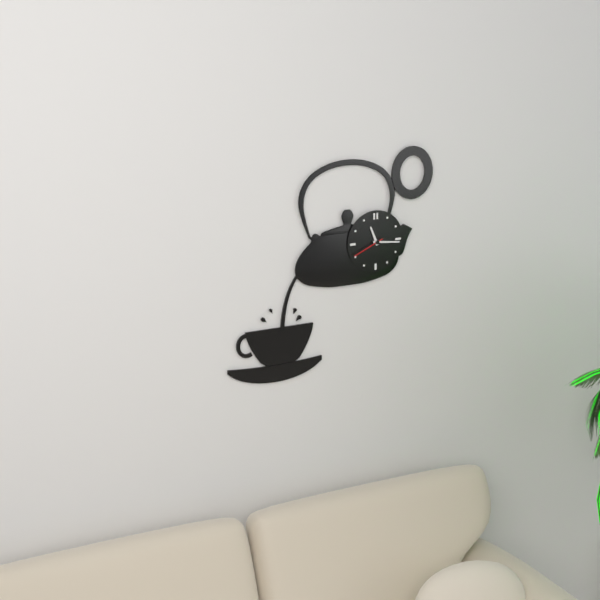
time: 11:16
